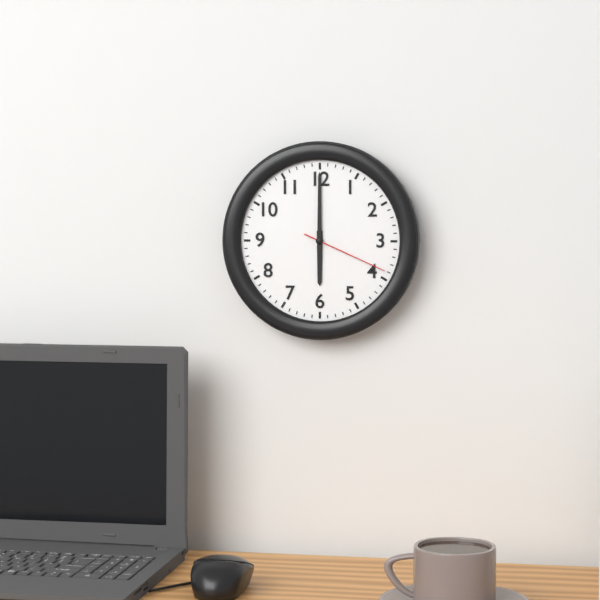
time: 6:00:19
